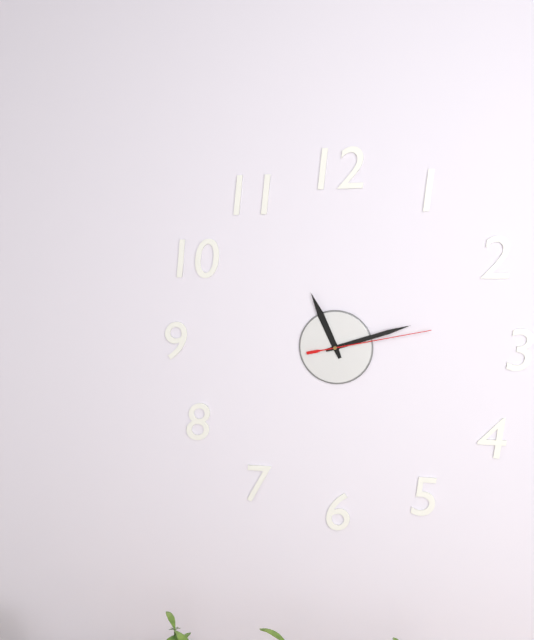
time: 11:12:13
